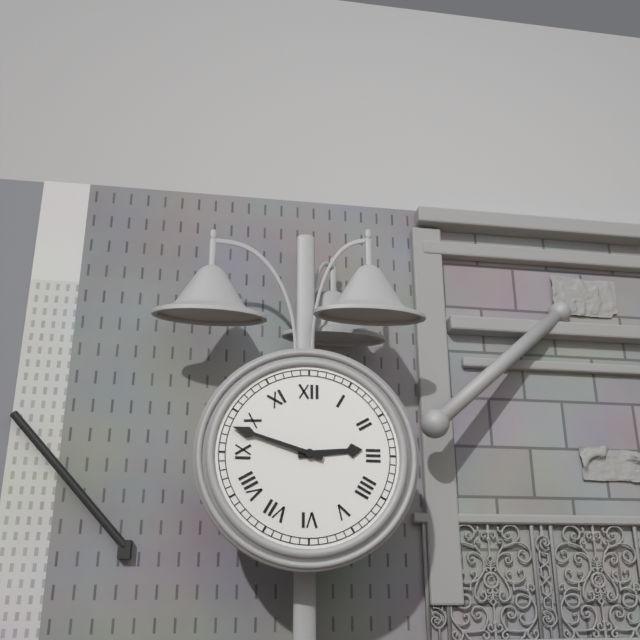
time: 2:48
